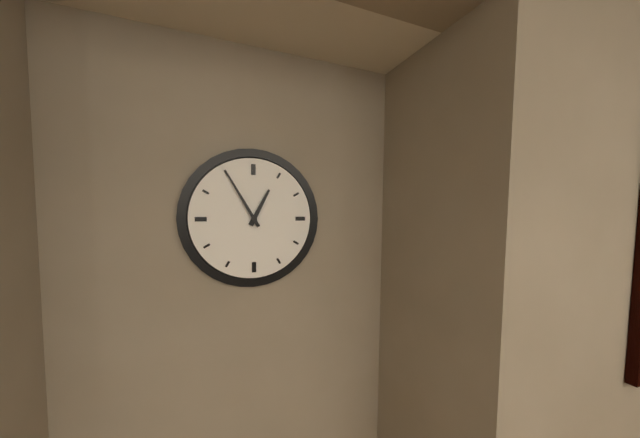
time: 12:55
